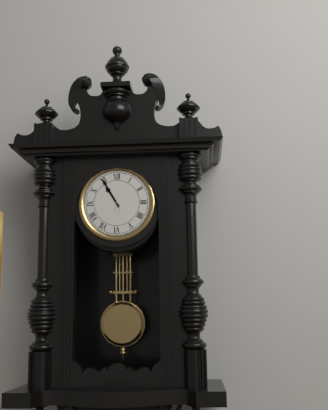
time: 10:55
